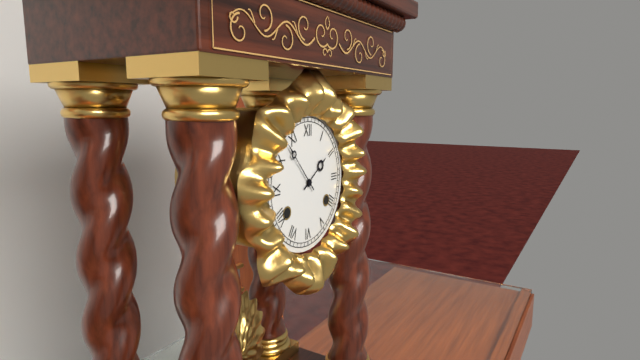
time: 1:53
